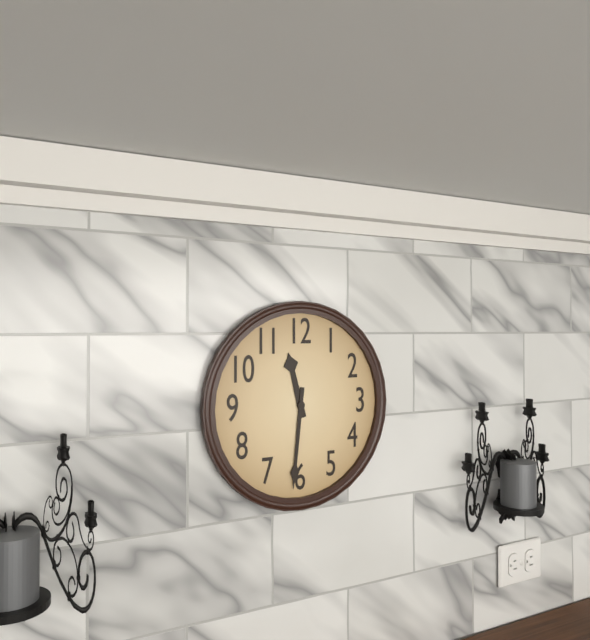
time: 11:31
